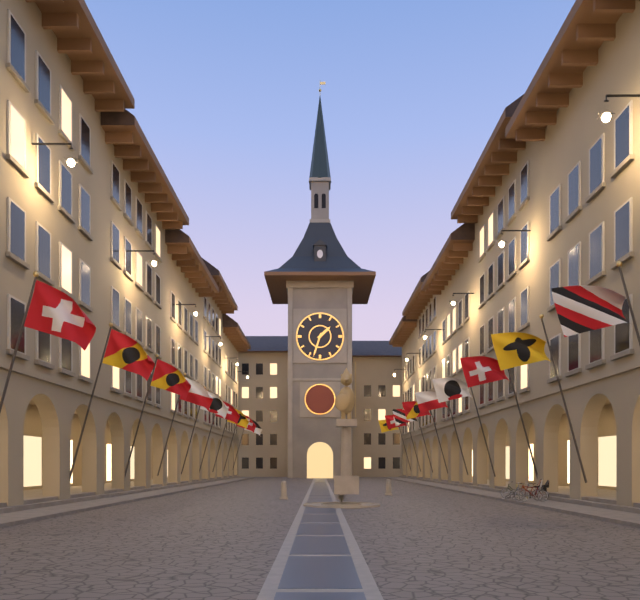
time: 1:33
